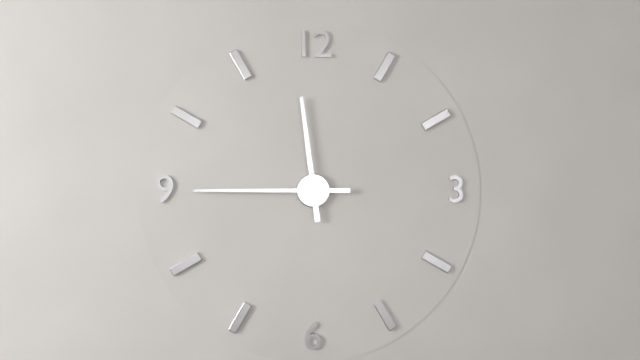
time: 11:45
